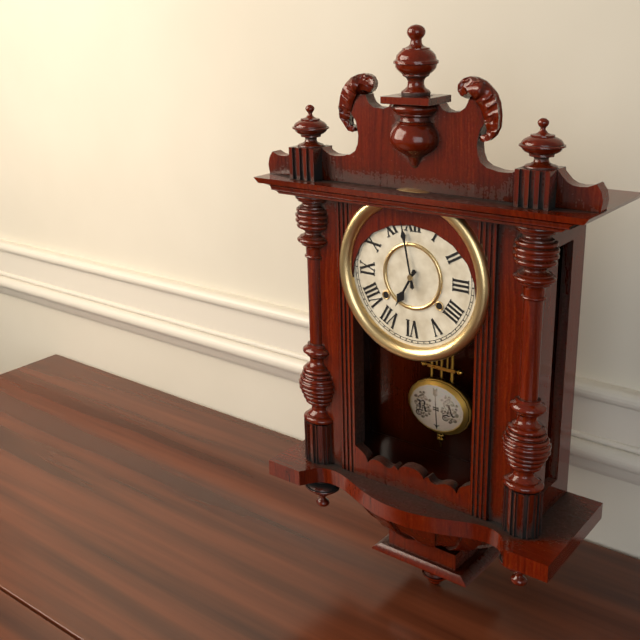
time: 6:58
